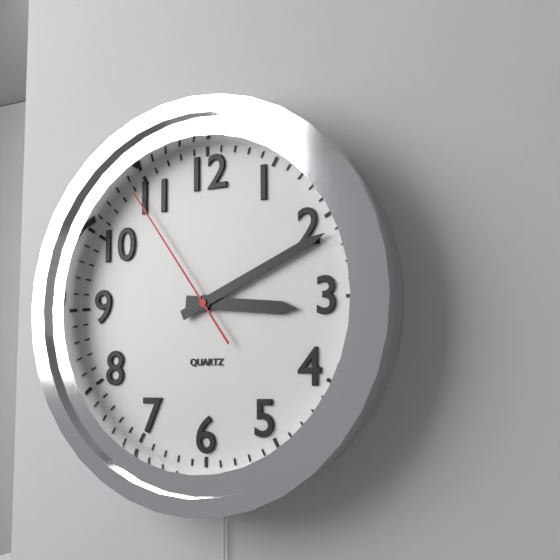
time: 3:11:54
